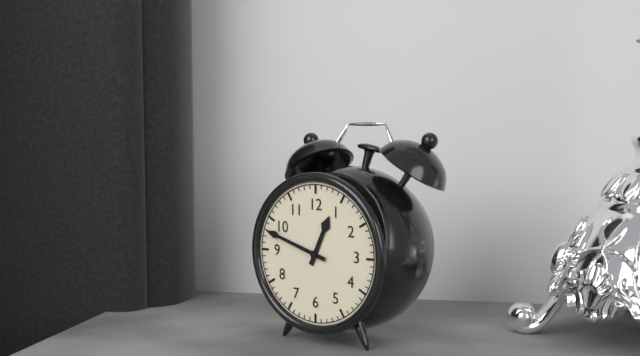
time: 12:48
